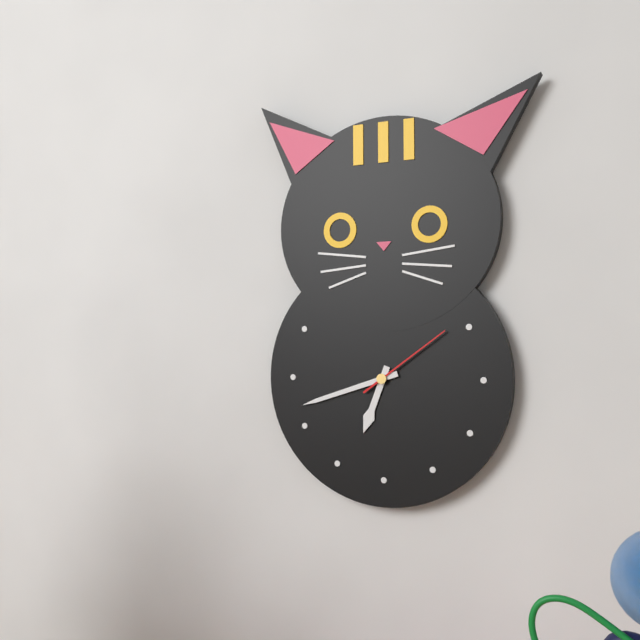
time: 6:42:09
